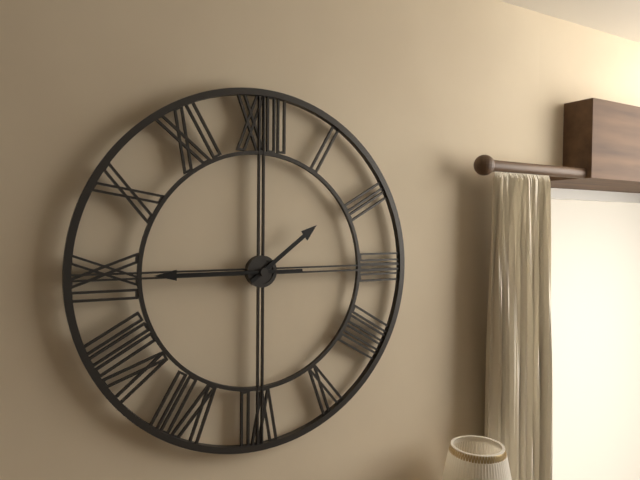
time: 1:45
